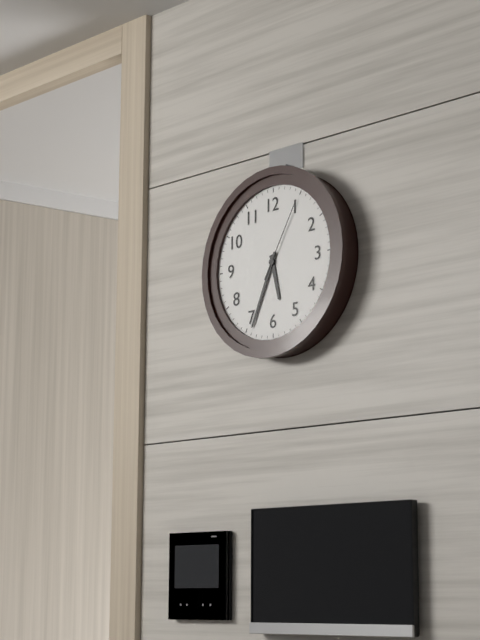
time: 5:34:05
